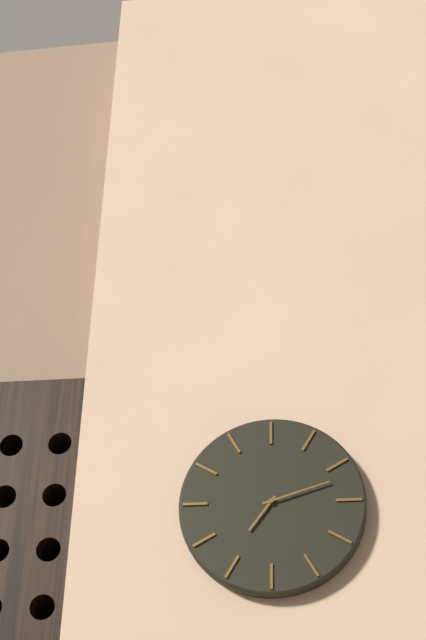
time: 7:12
